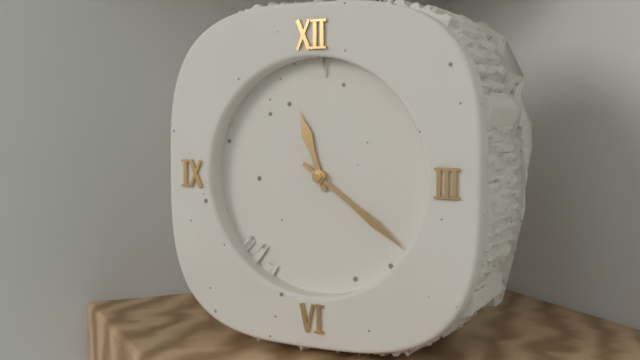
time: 11:21
